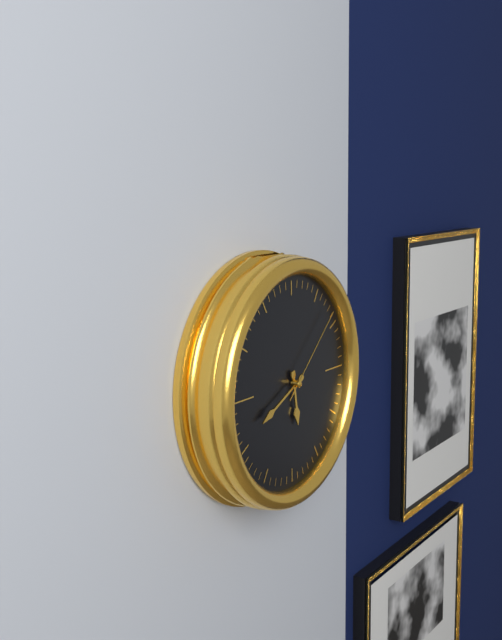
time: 5:41:08
